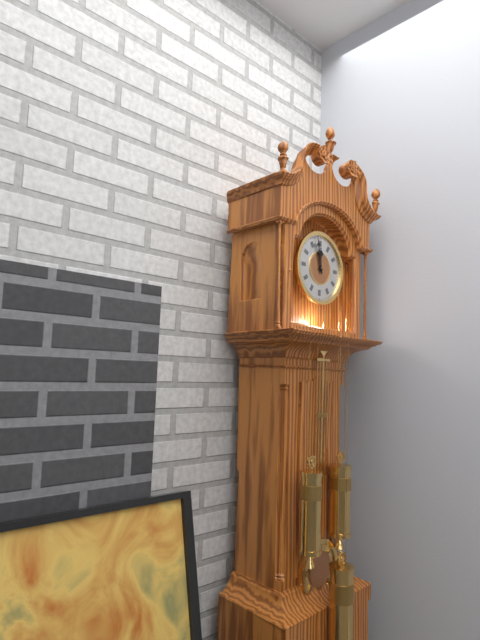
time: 11:58
